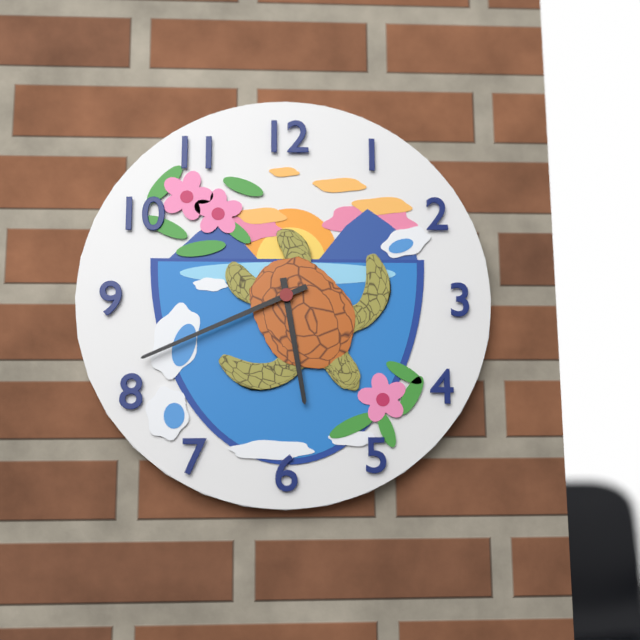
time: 5:41
